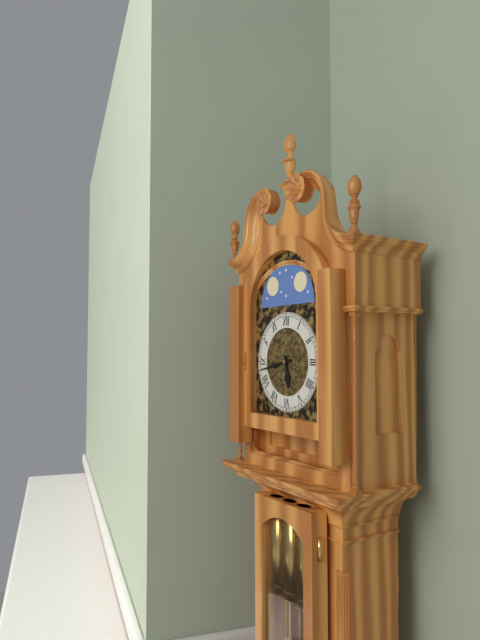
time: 5:43
